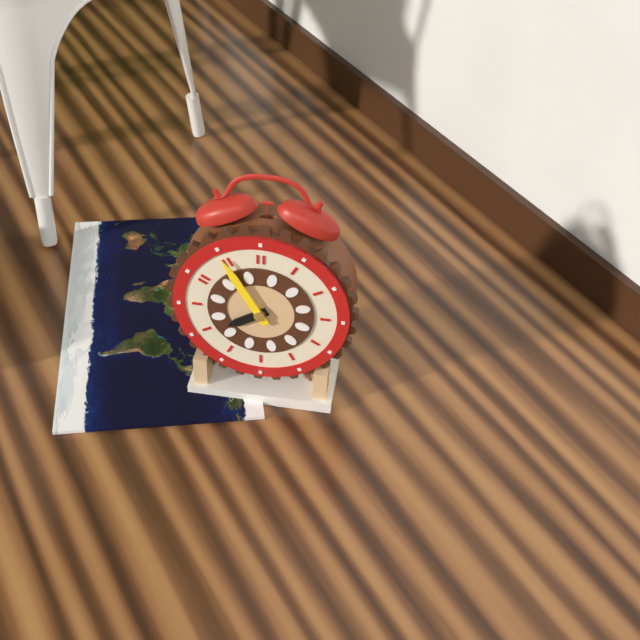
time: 7:55
